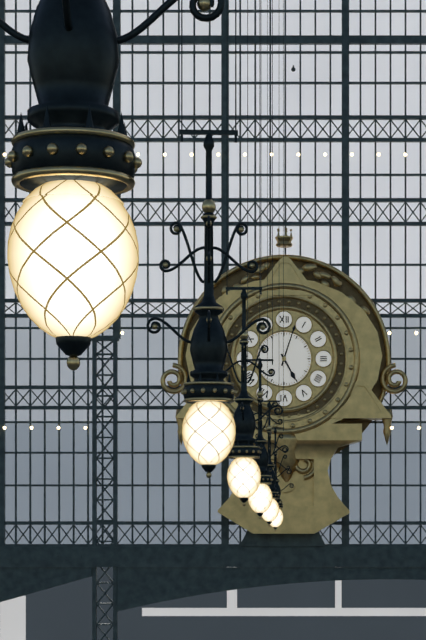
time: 5:03
